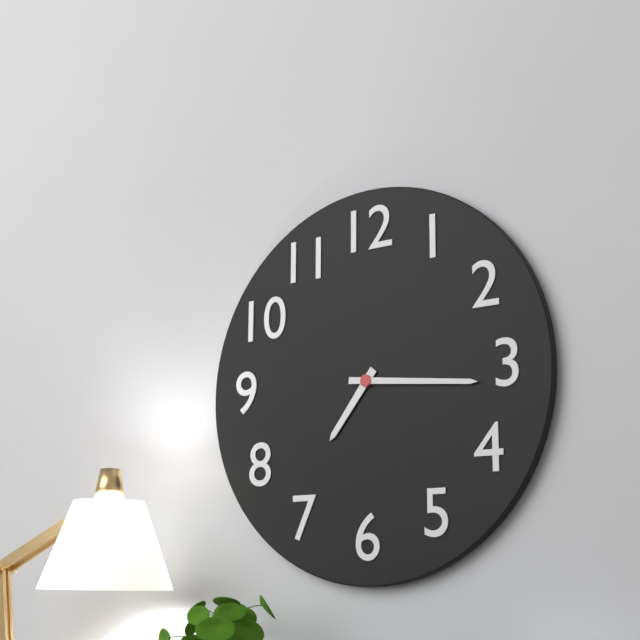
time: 7:16
